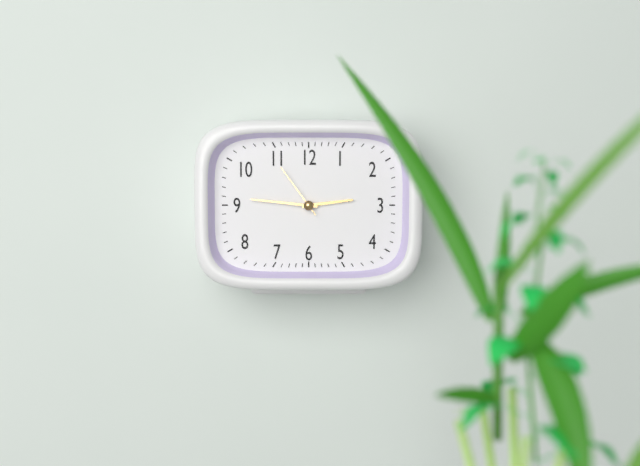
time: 2:46:54
